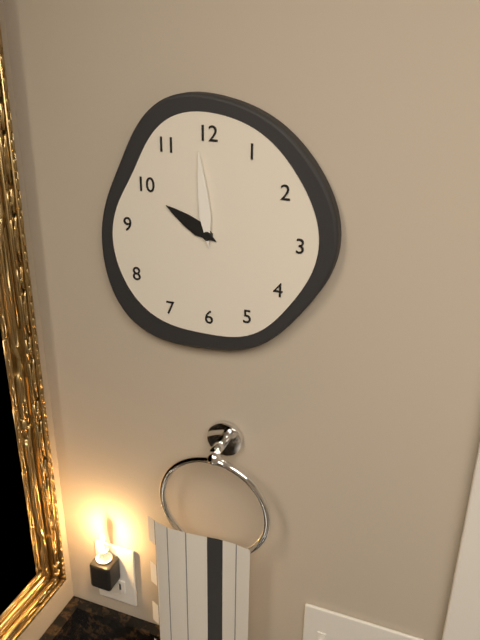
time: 9:59
